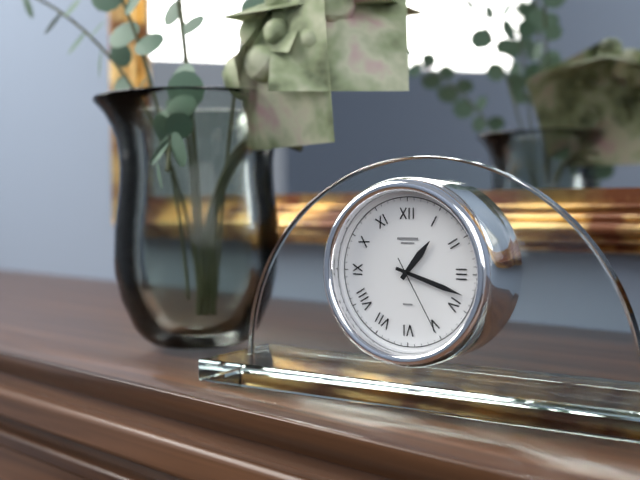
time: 1:18:25
